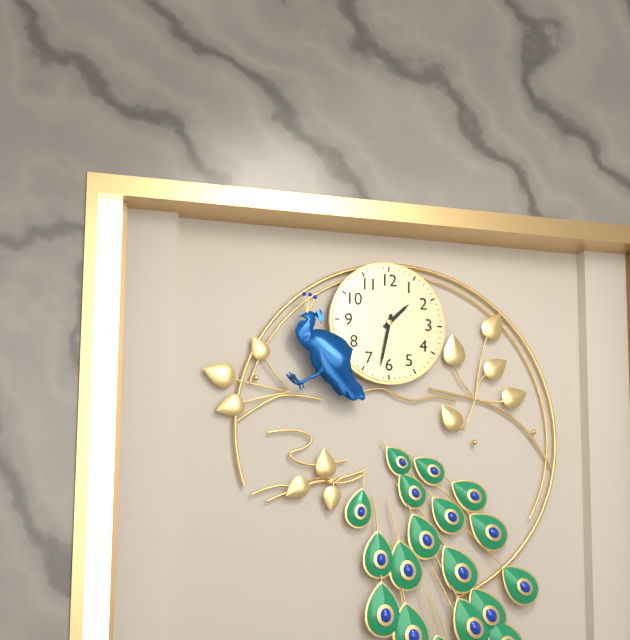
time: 1:32
